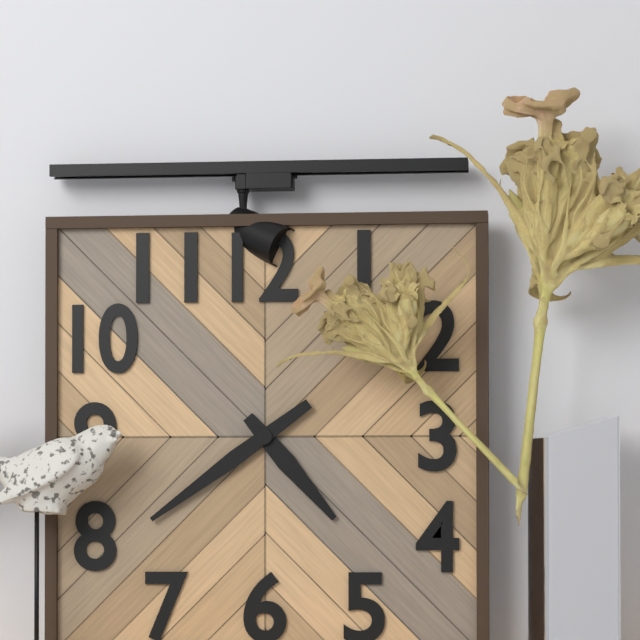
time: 4:39
